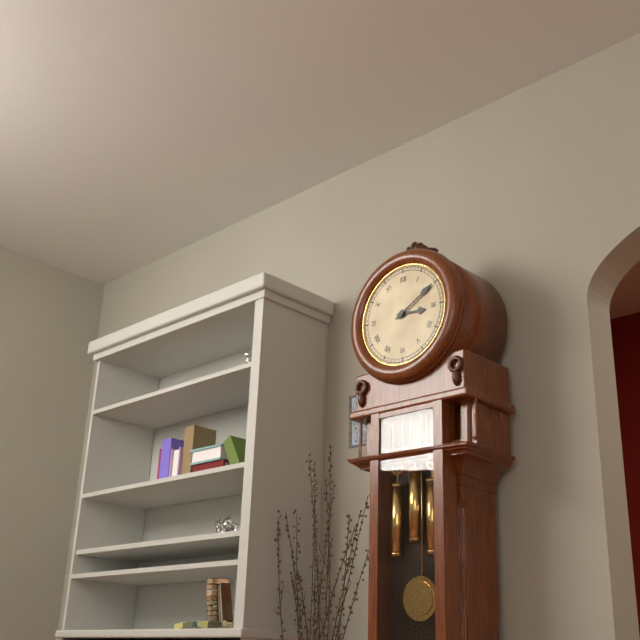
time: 3:10
